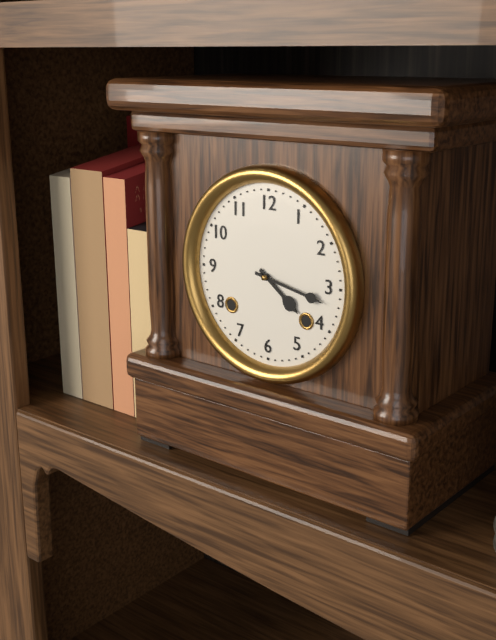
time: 4:17
